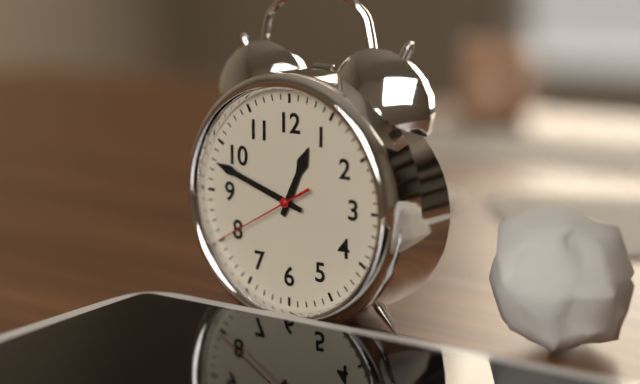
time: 12:48:40
